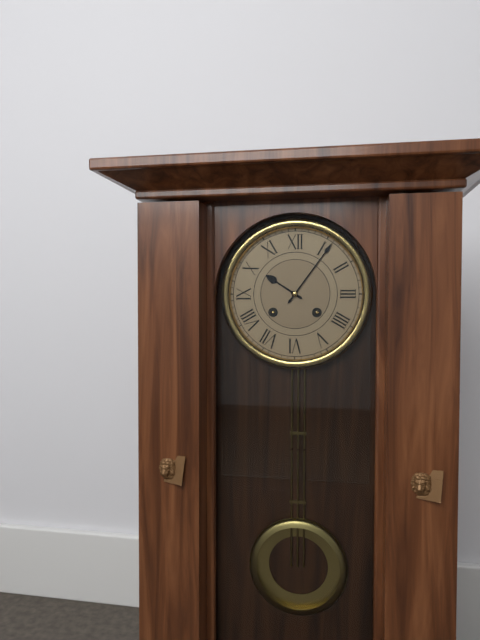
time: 10:06
